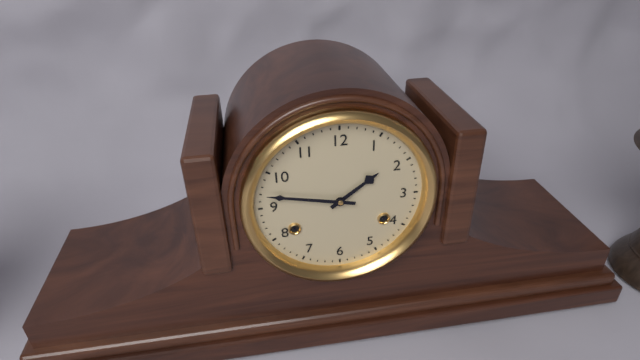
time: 1:47
